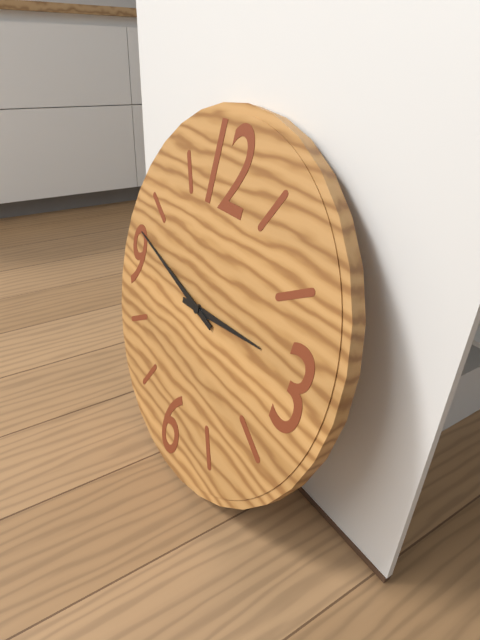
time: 2:47
